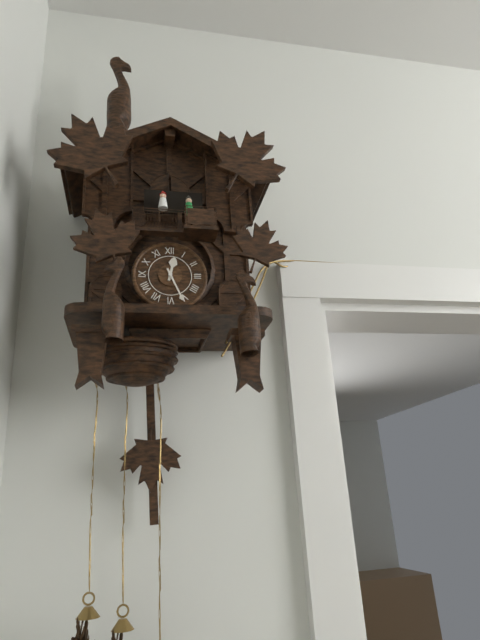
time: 12:26
